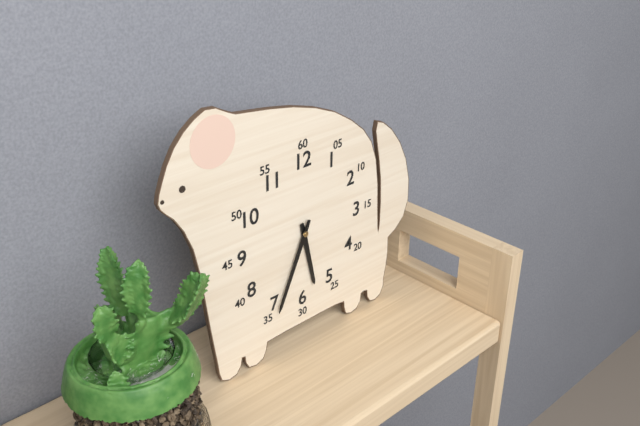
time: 5:34
